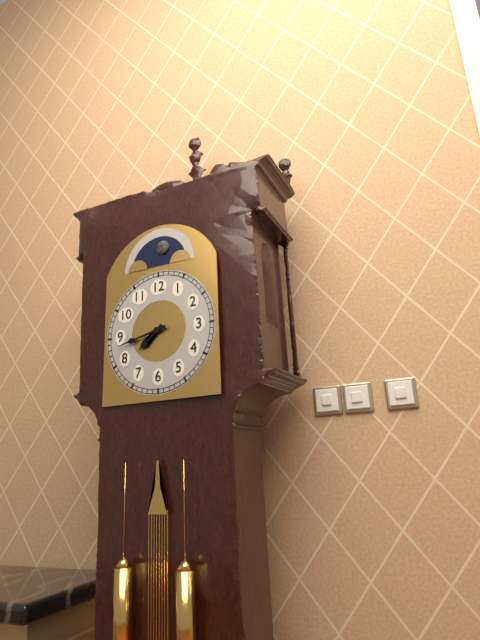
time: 7:43
